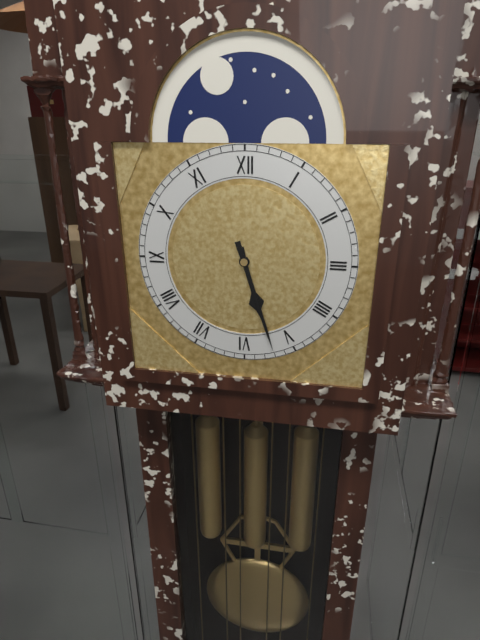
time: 5:27
